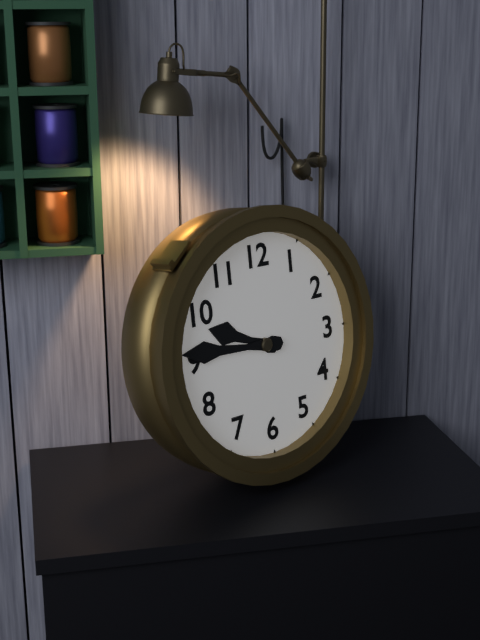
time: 9:46
